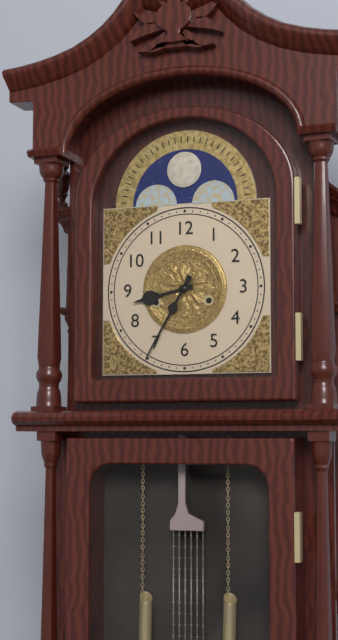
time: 8:35
